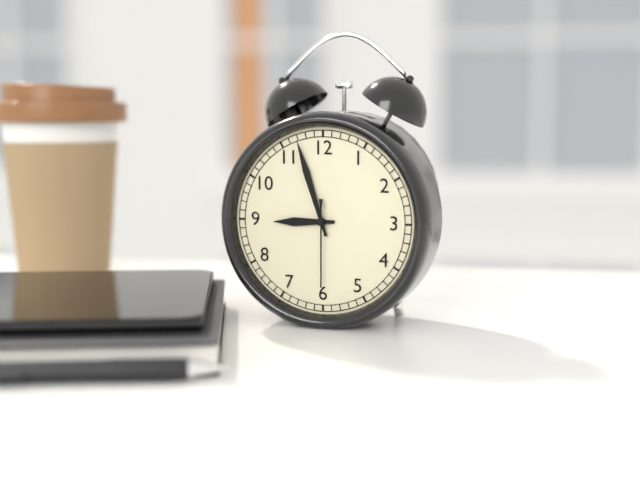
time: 8:57:30
